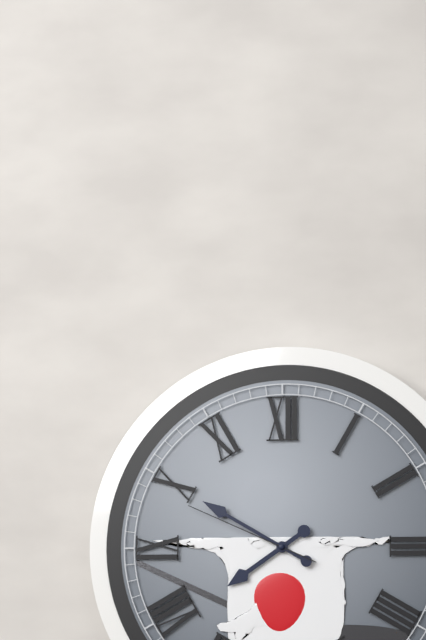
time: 7:50:49
